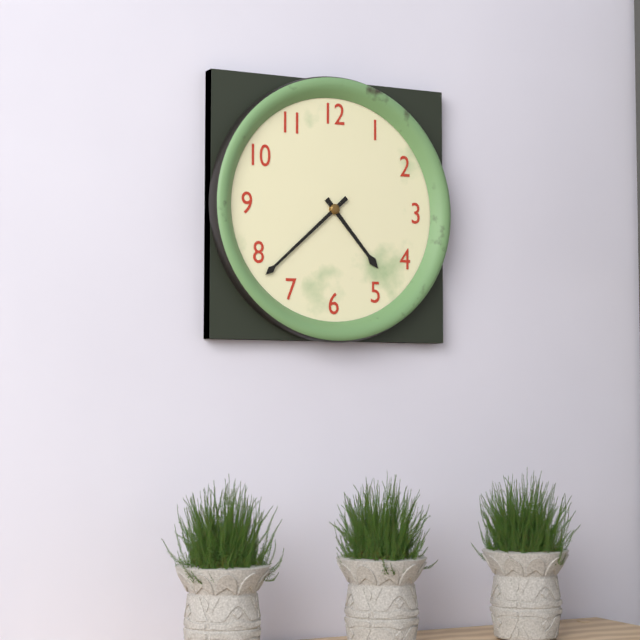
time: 4:38
